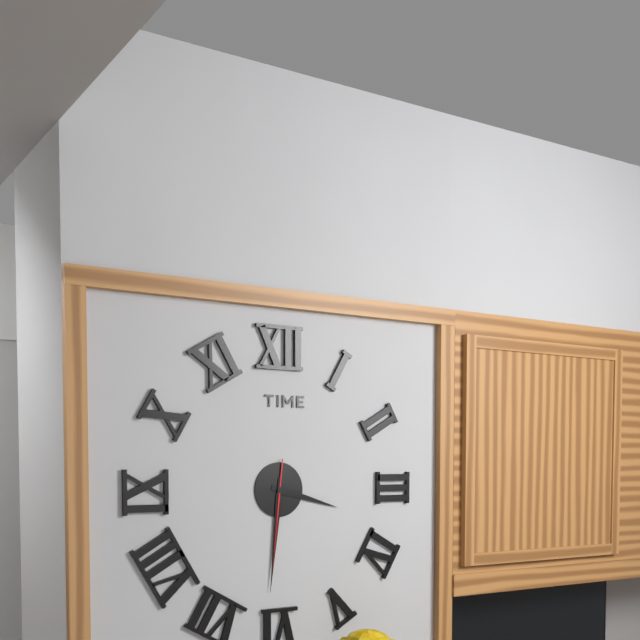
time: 3:31:31
